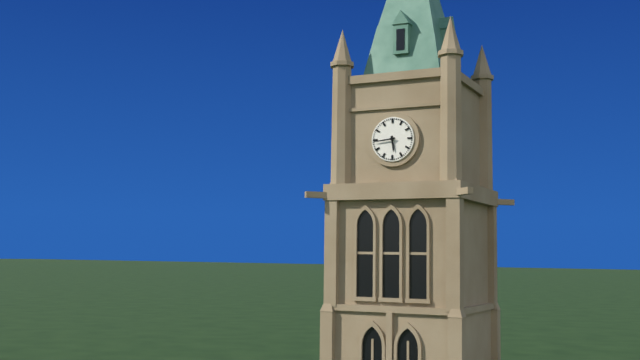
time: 5:44
